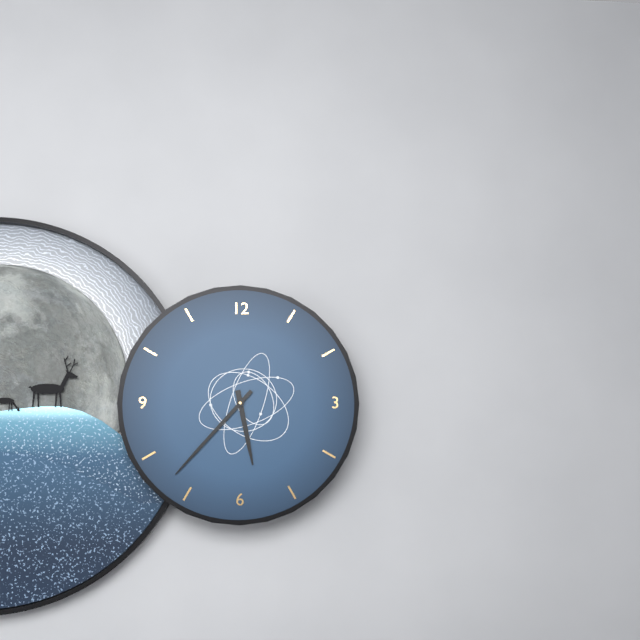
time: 5:37
